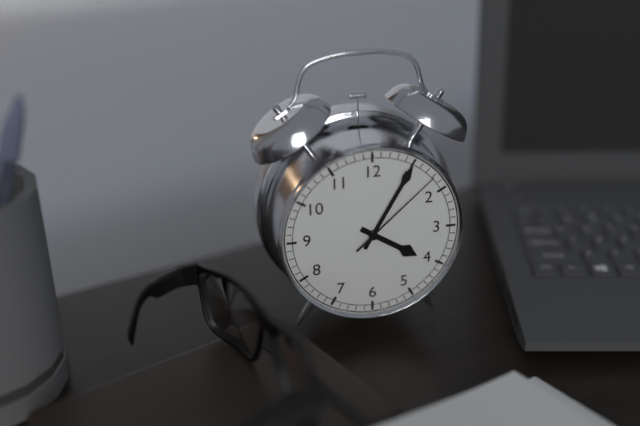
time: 4:05:08
